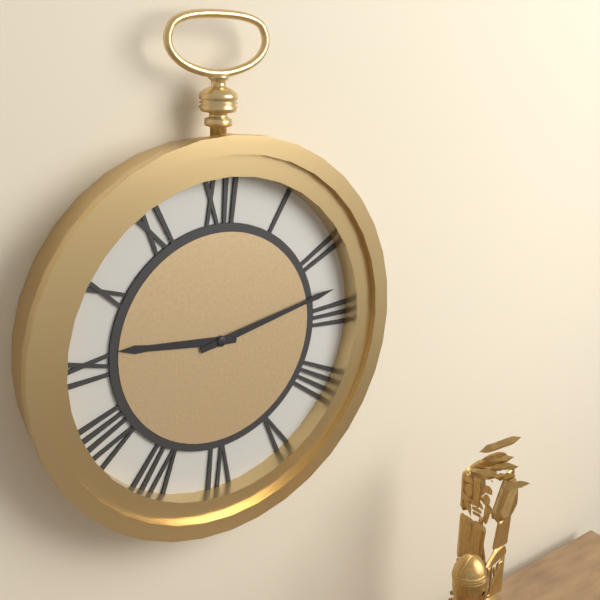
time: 9:13
